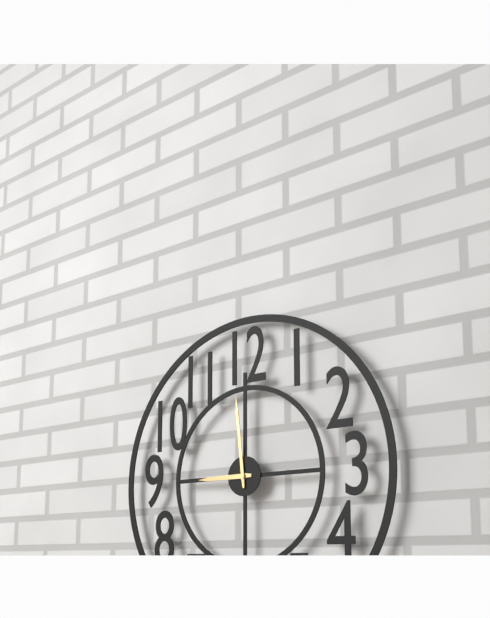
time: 8:59
